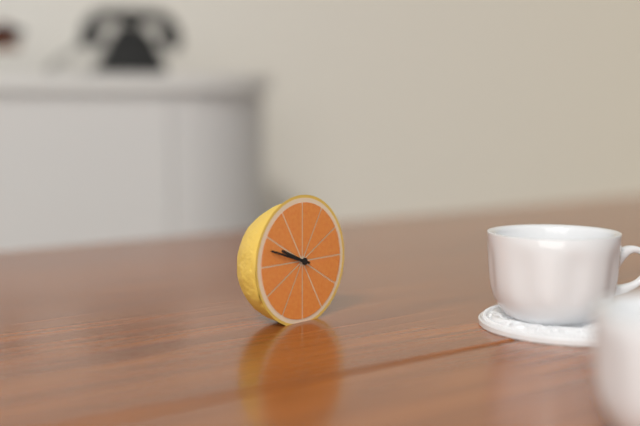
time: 9:48
